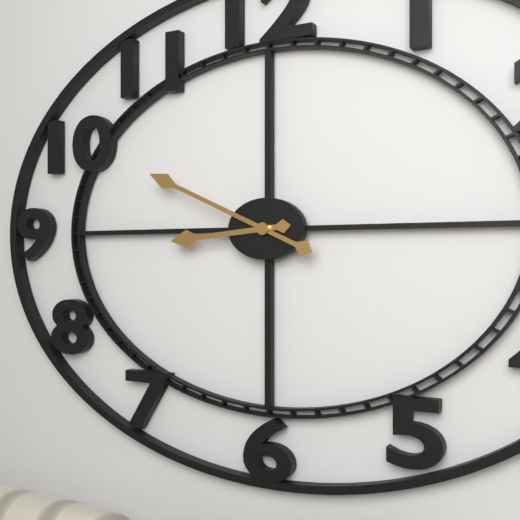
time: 8:49
